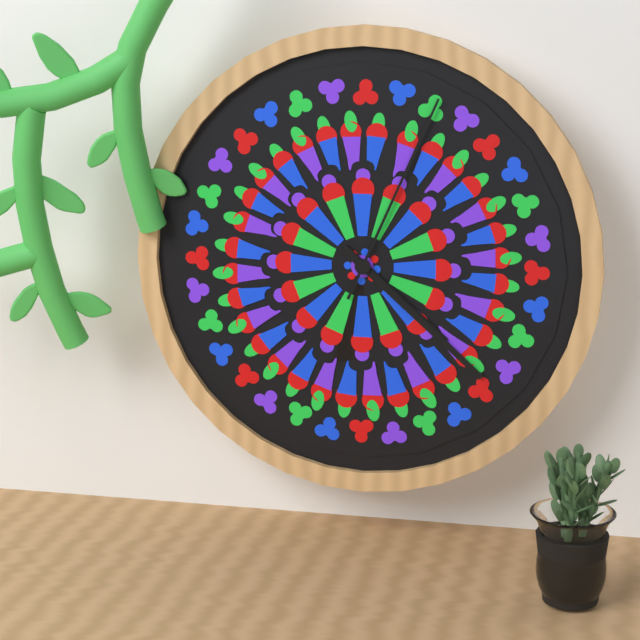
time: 4:22:04
